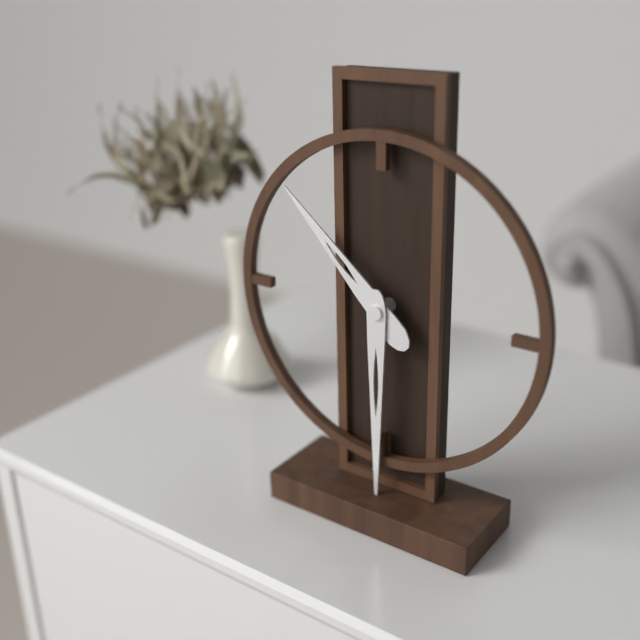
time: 10:30
